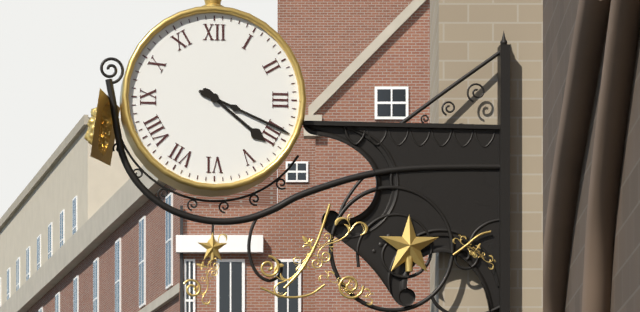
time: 4:19
